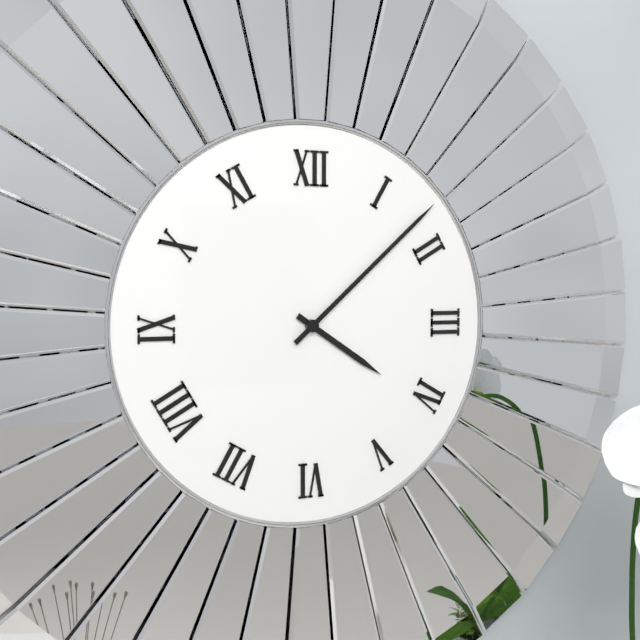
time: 4:08
